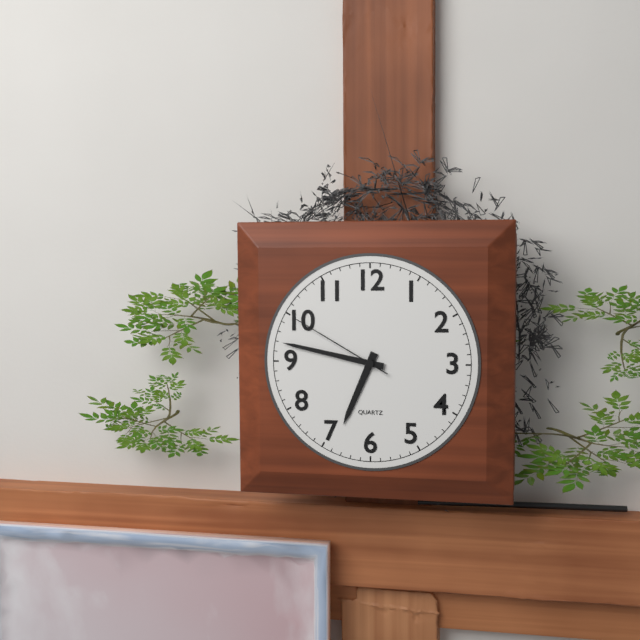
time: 6:47:50
